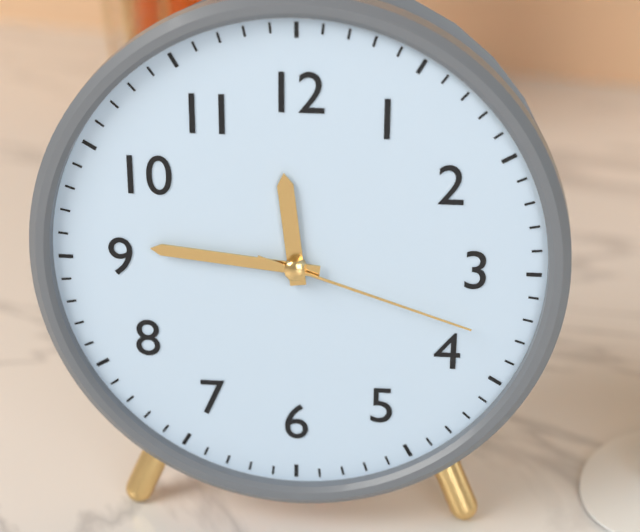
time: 11:46:18
